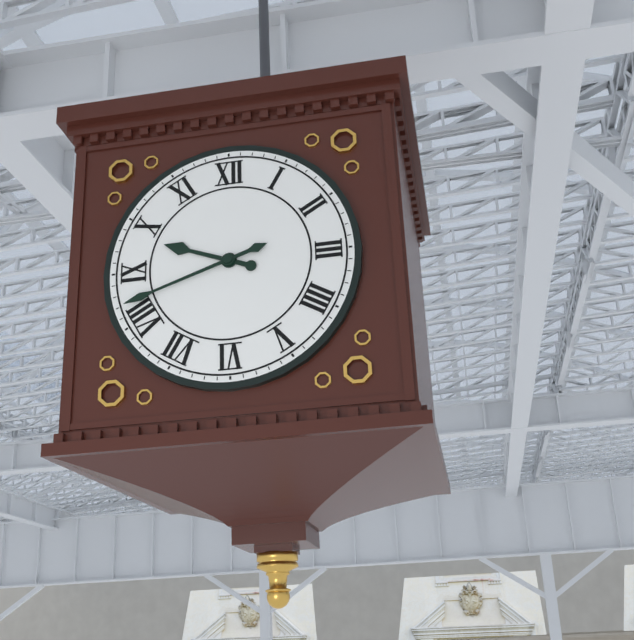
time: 9:42
